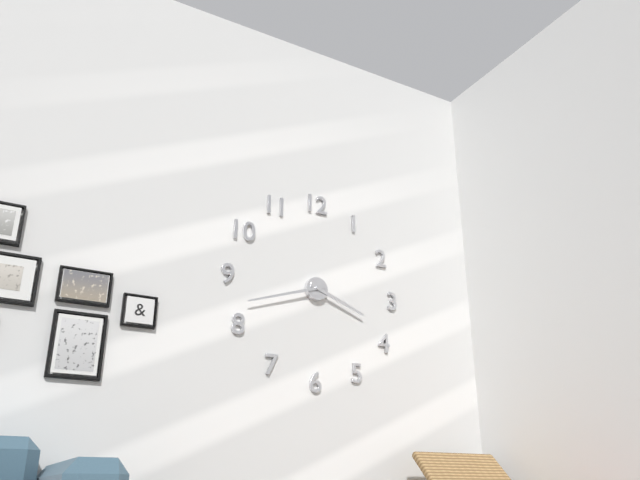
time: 3:42
